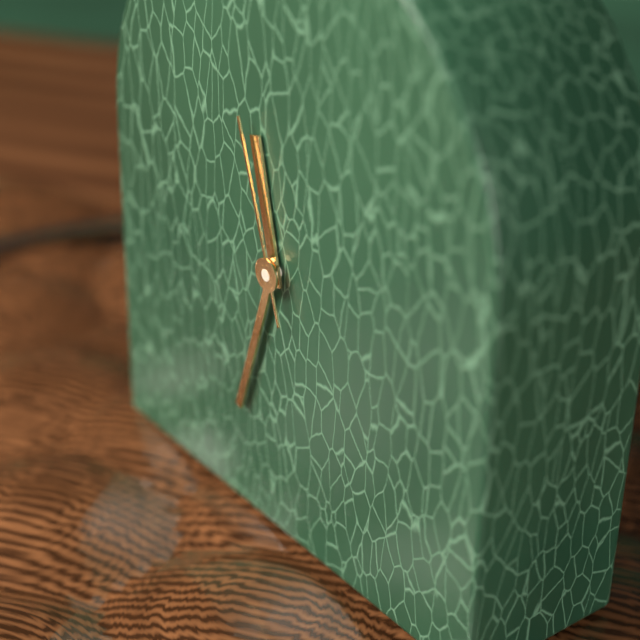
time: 11:33:57
